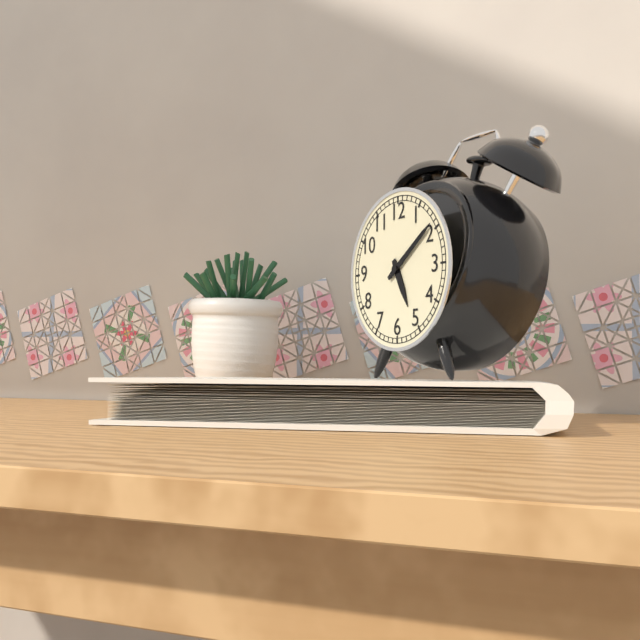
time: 5:09
